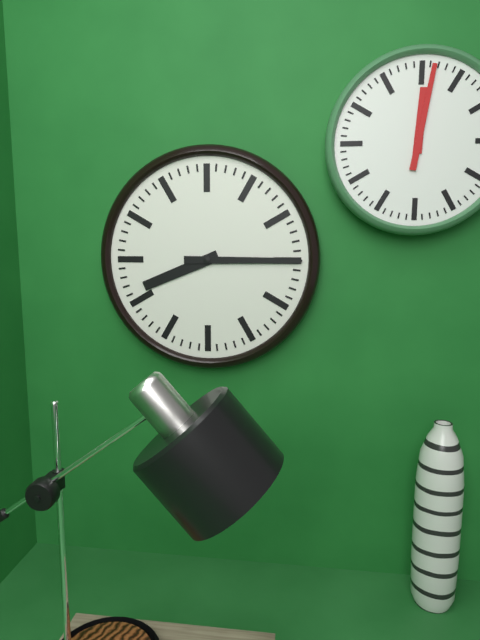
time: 8:15
